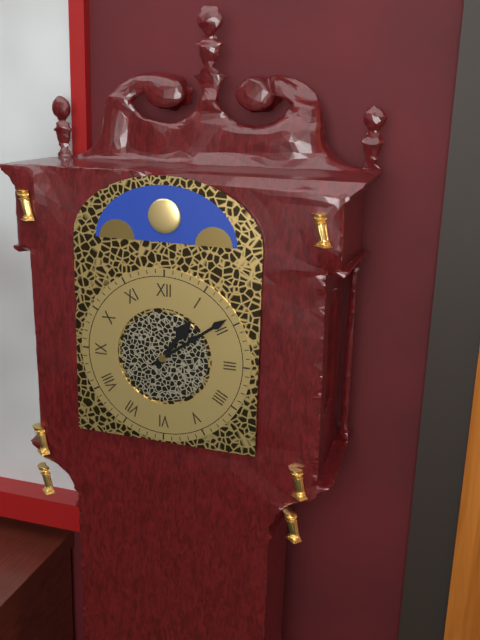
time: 1:09
